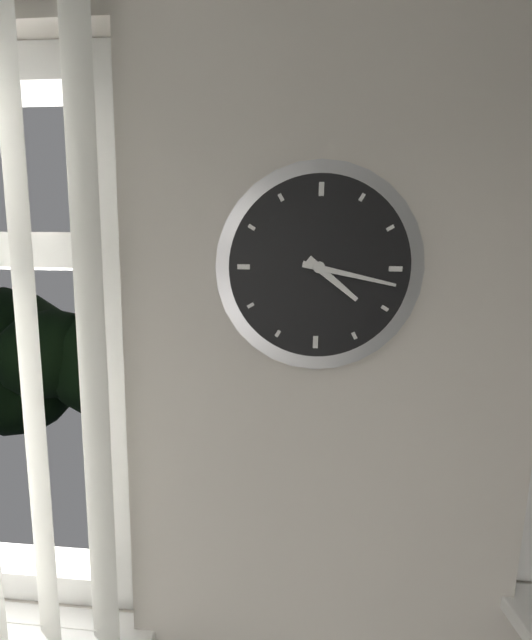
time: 4:17
